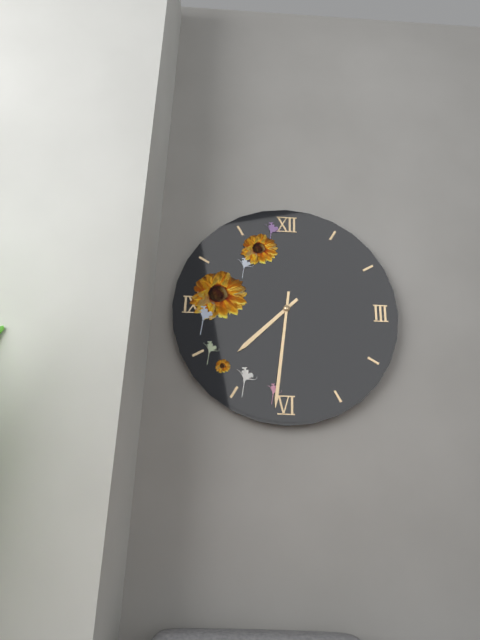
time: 7:31
